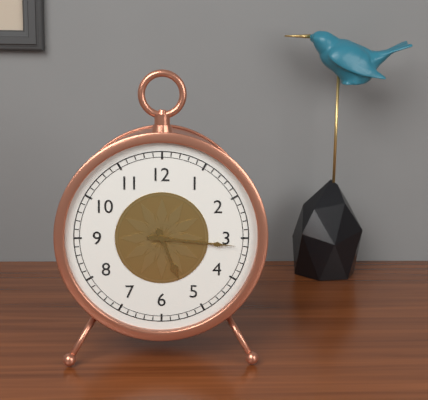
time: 5:16
